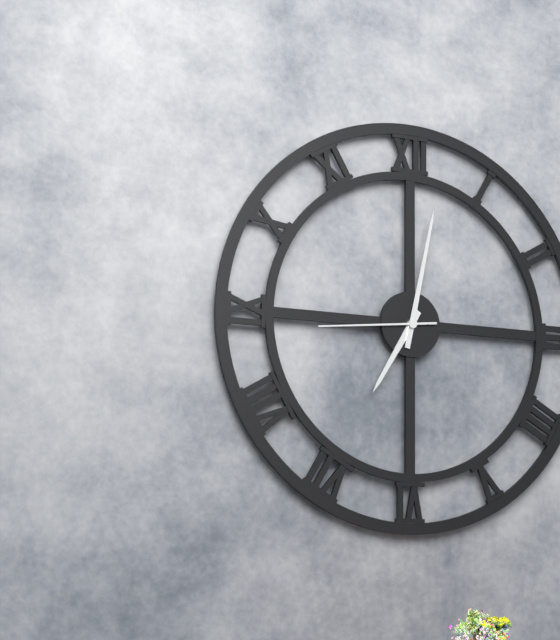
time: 7:02:44
